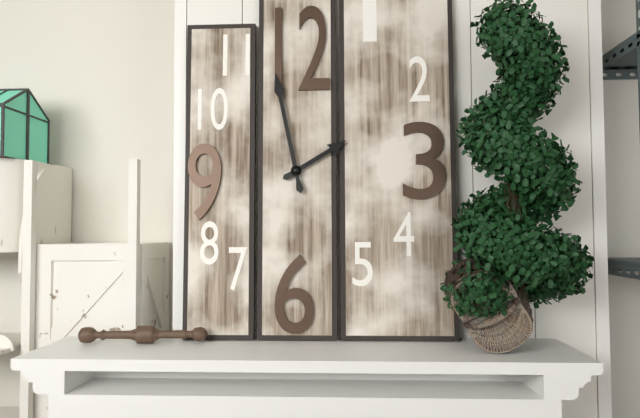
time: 1:58
